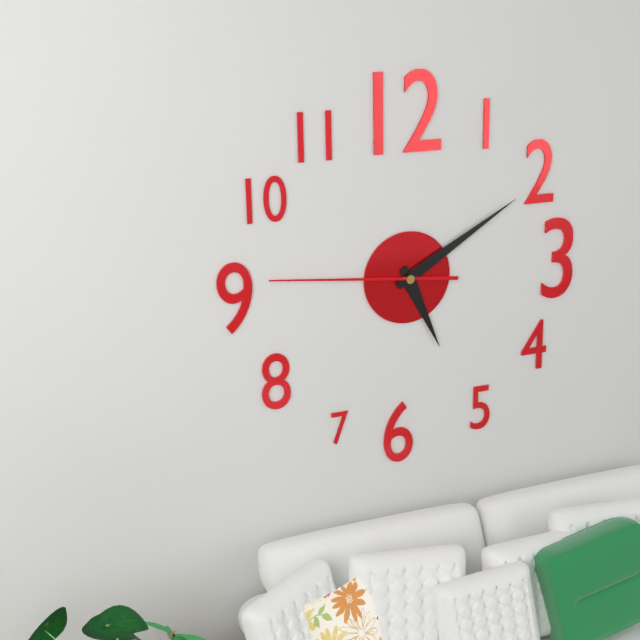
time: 5:10:46
